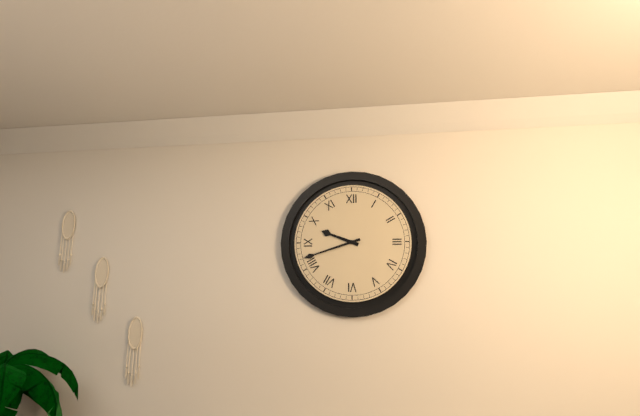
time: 9:42
